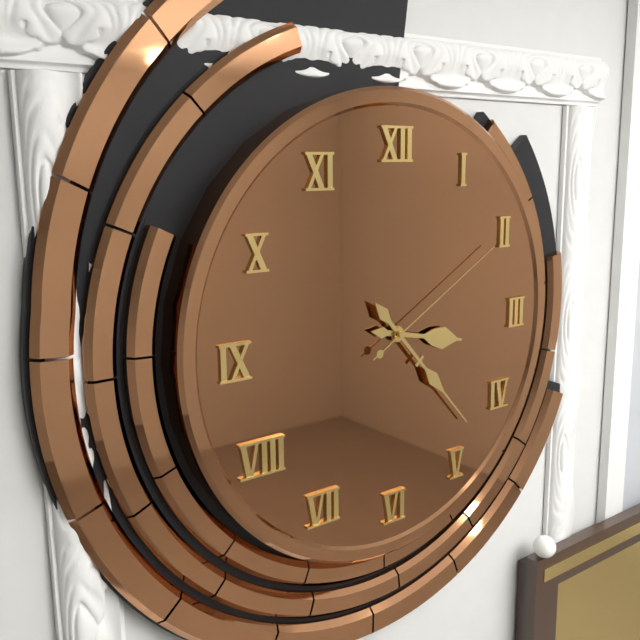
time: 3:23:10
